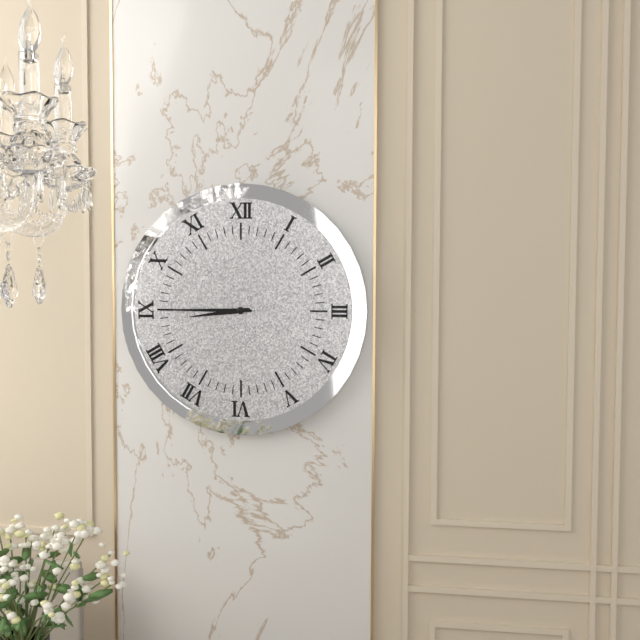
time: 8:45
